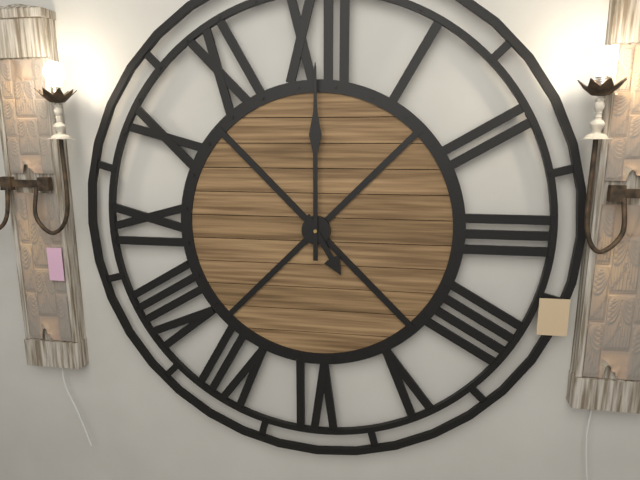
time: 5:00
